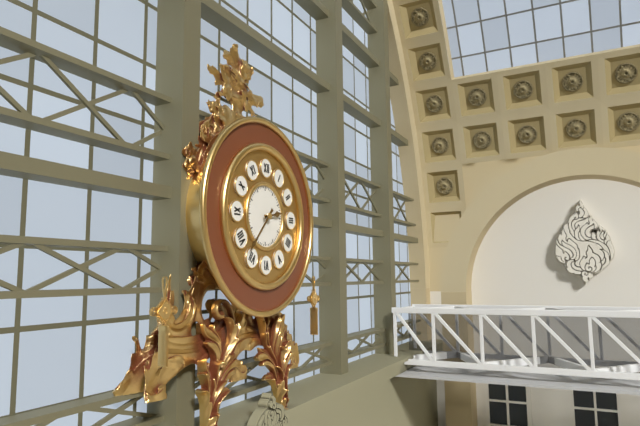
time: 2:37
